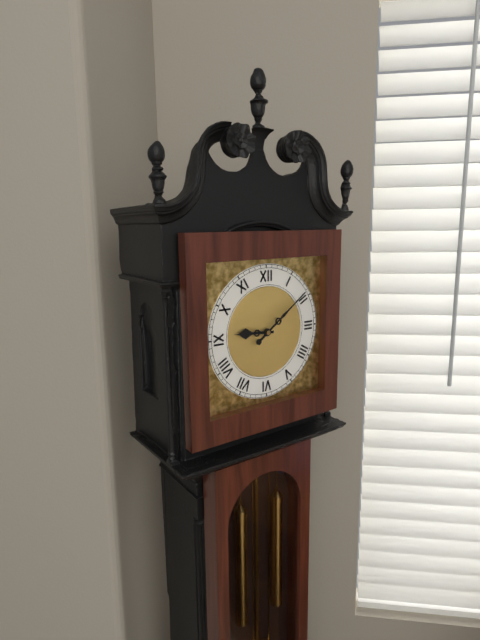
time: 9:09
